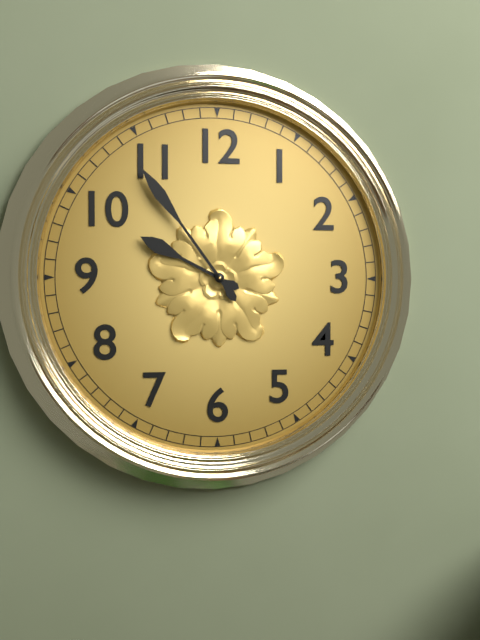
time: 9:54
